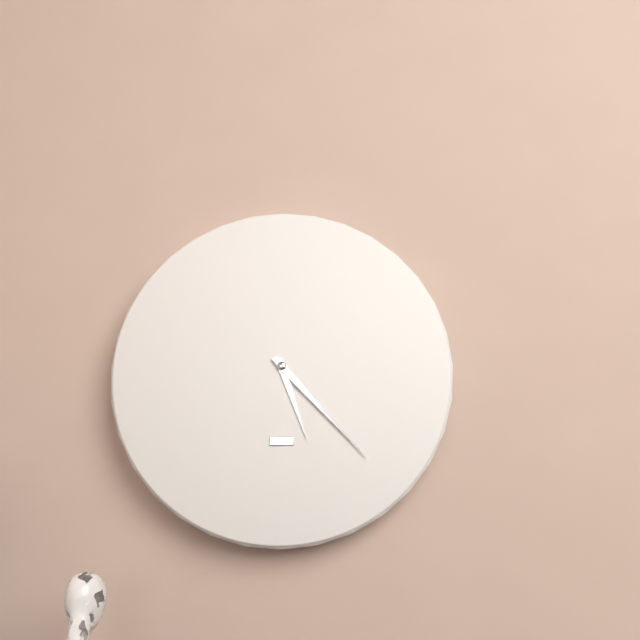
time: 5:23
